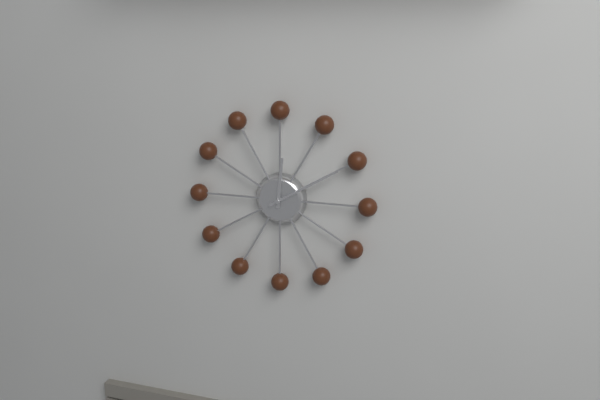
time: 12:10
